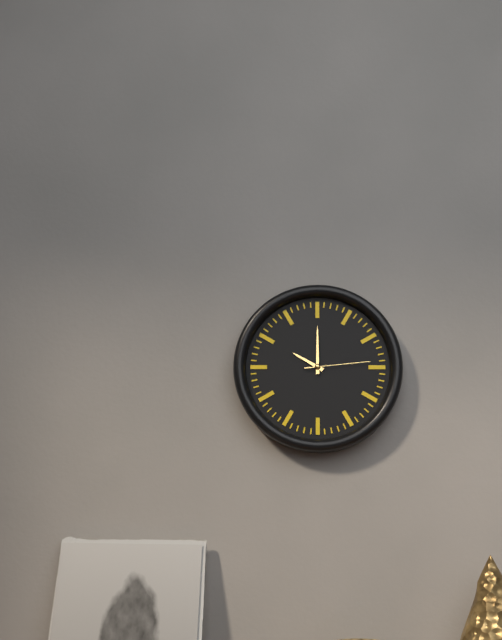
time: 10:00:14
